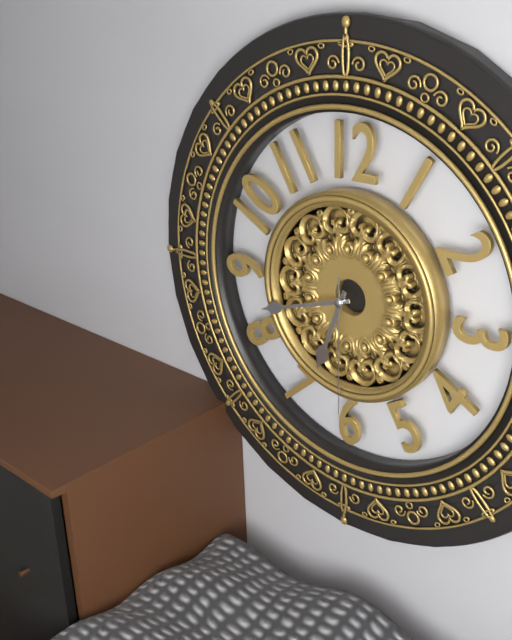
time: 6:42:30
